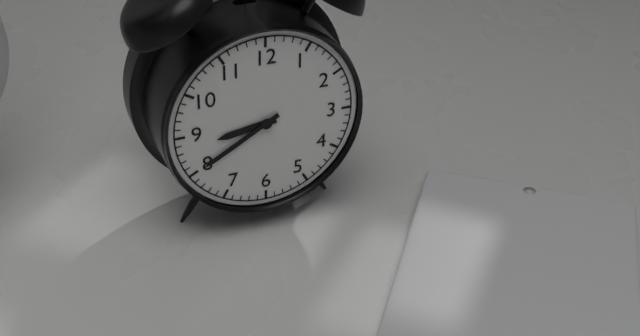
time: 8:40
